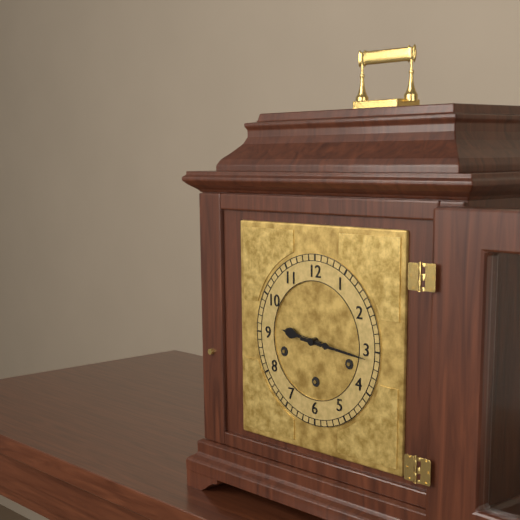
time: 9:16
